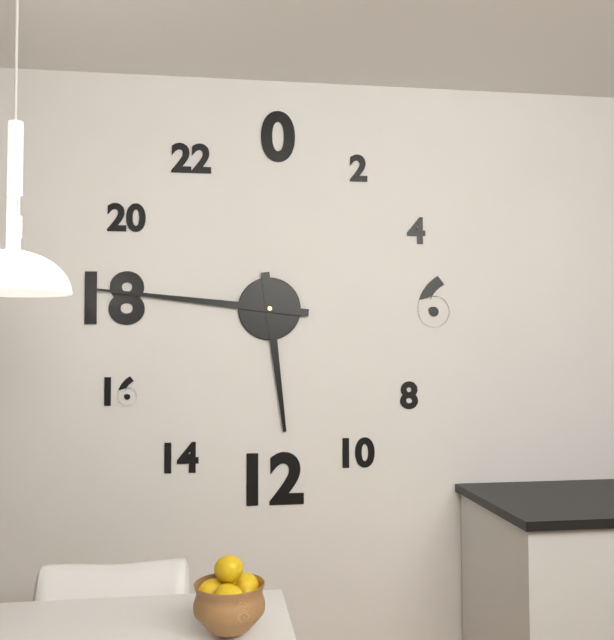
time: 5:46
